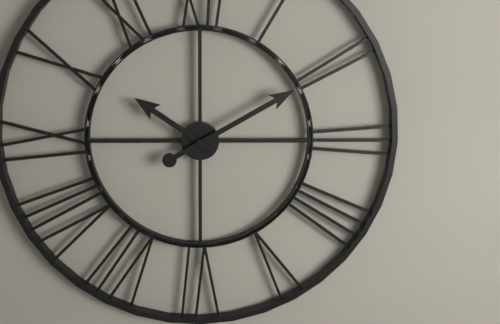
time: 10:10
